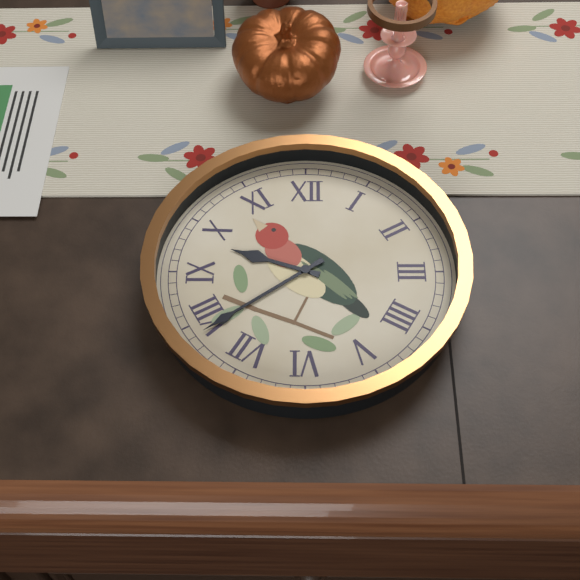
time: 9:39
